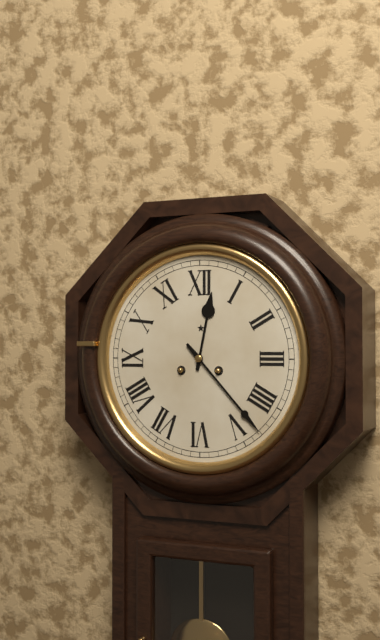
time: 12:23
